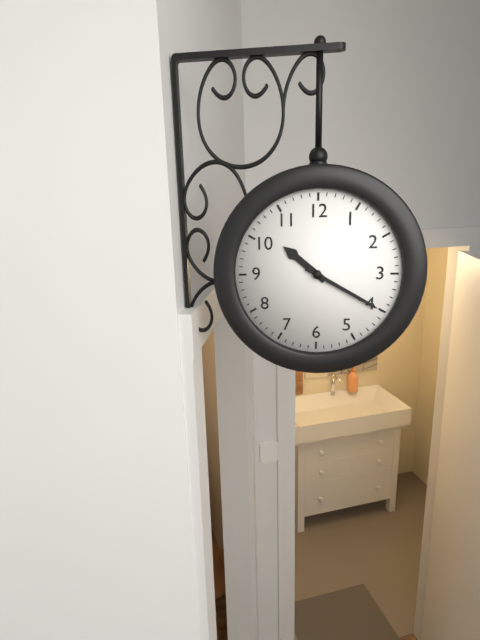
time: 10:20
